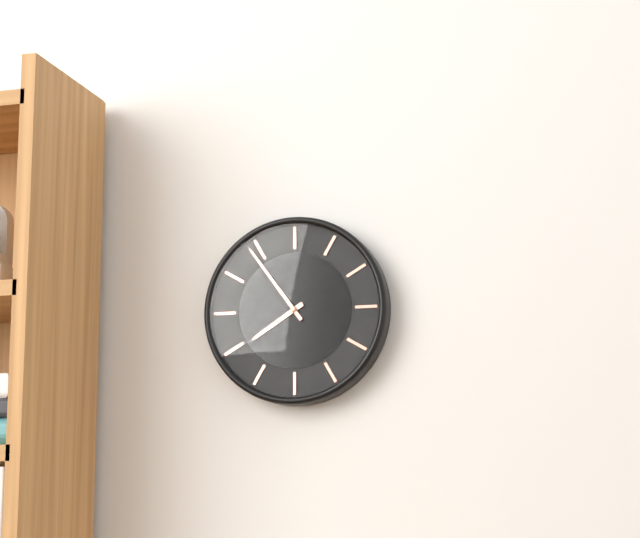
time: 7:54
